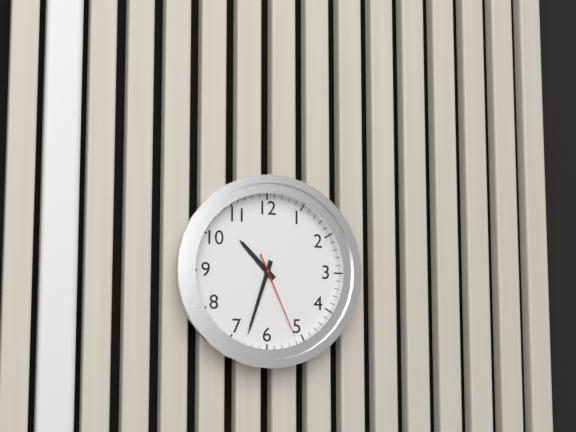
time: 10:33:26
